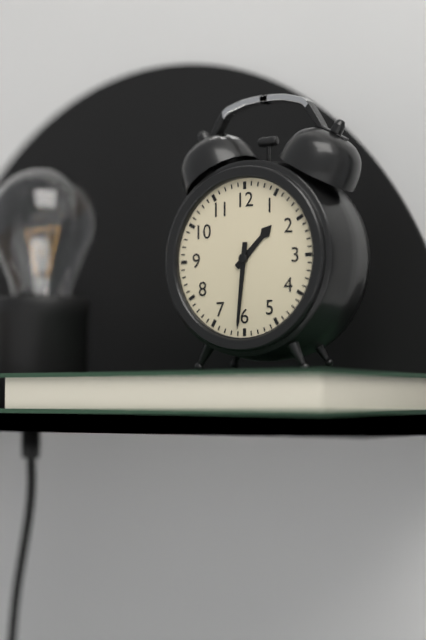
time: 1:31
